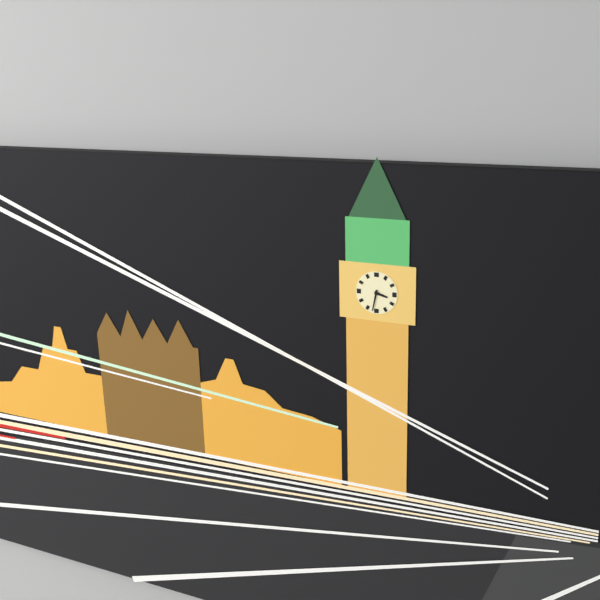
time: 3:32
